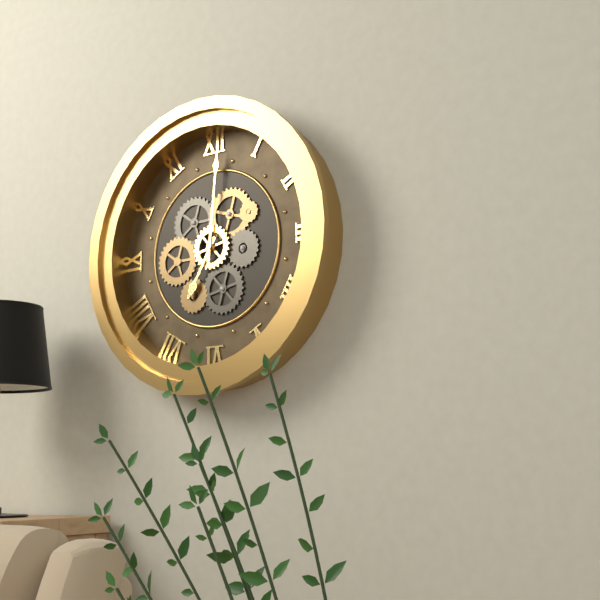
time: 7:01
